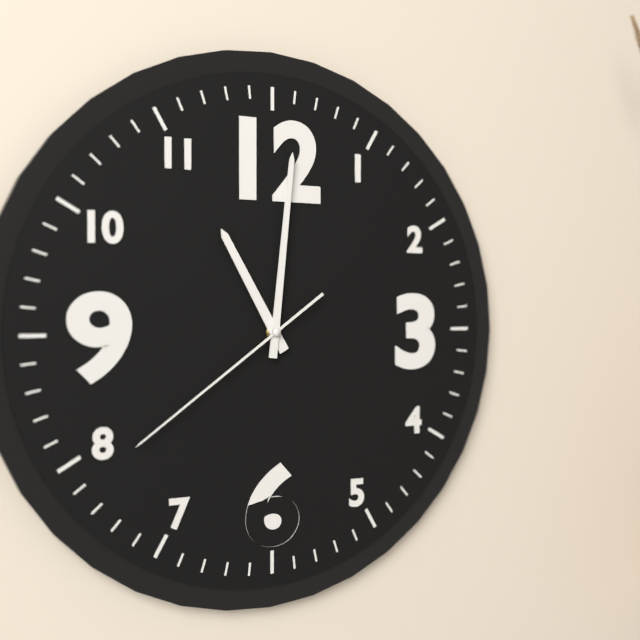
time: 11:01:39
